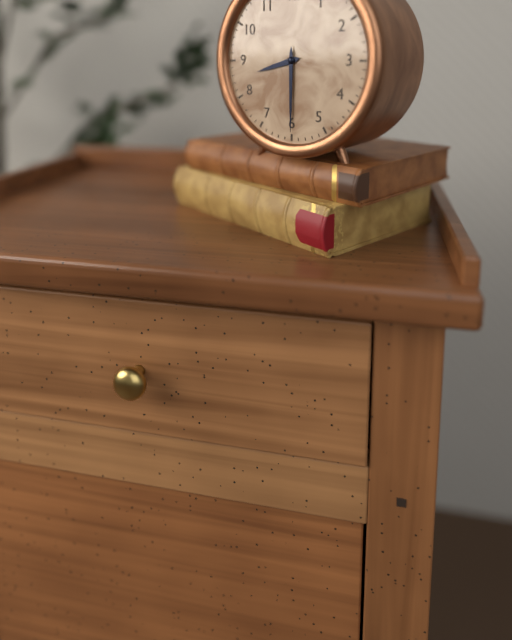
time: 8:30
